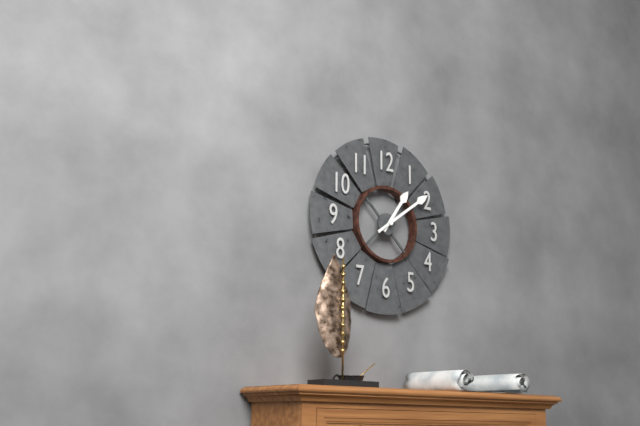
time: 1:09
